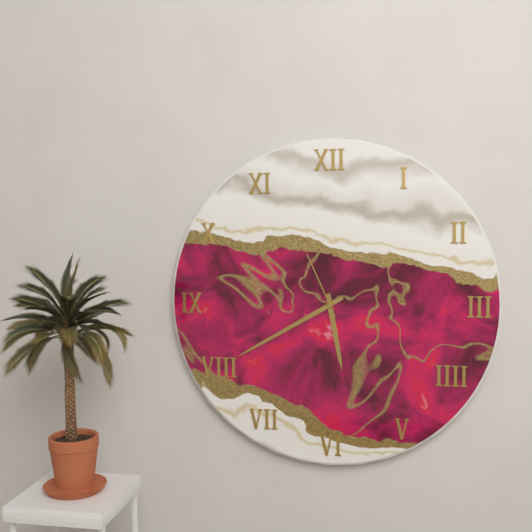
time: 5:40:56
